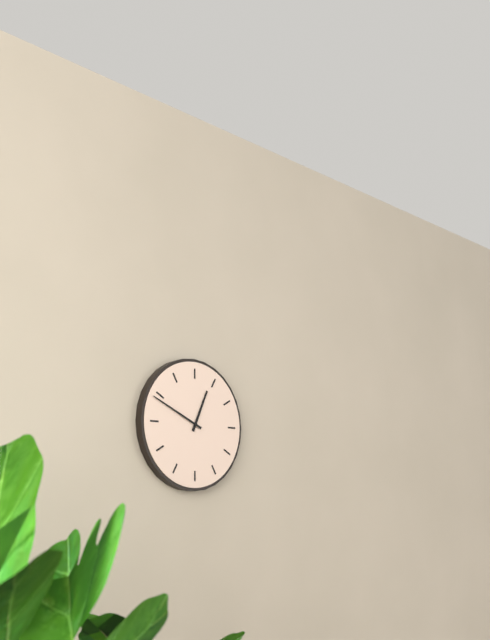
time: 12:49
